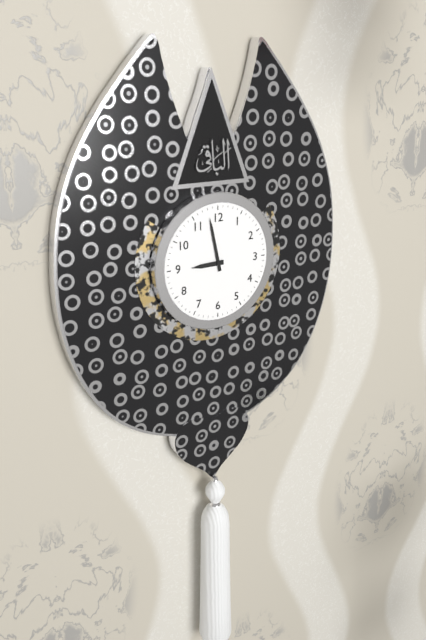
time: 8:58
